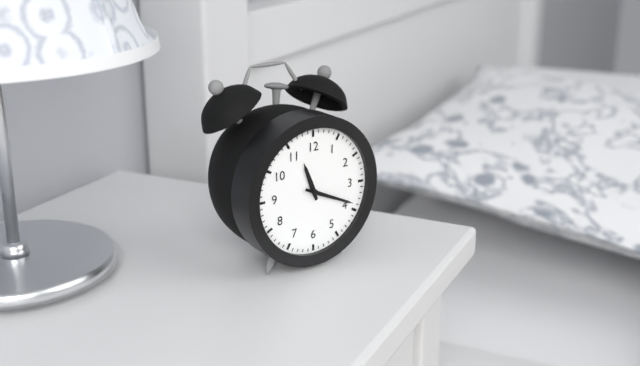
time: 11:19
